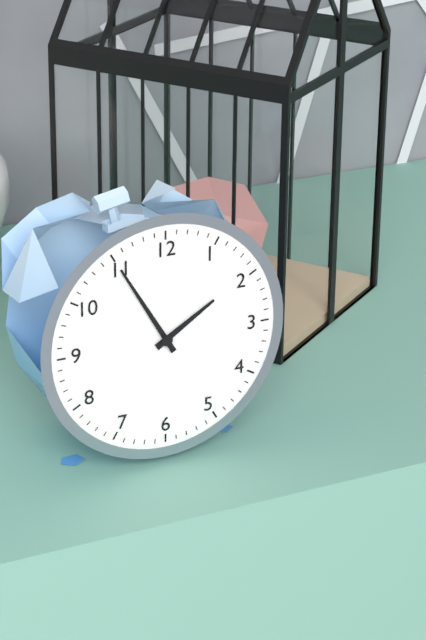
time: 1:55
